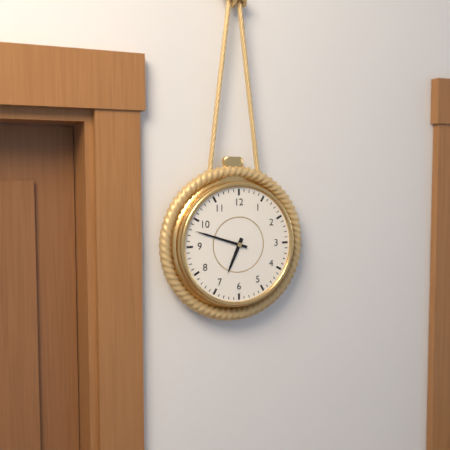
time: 6:48
